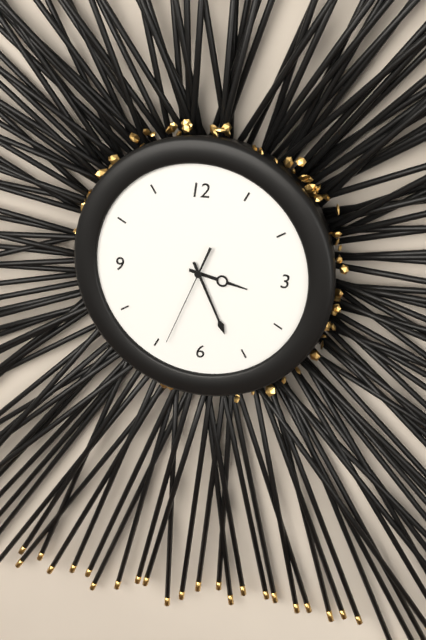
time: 3:26:34
